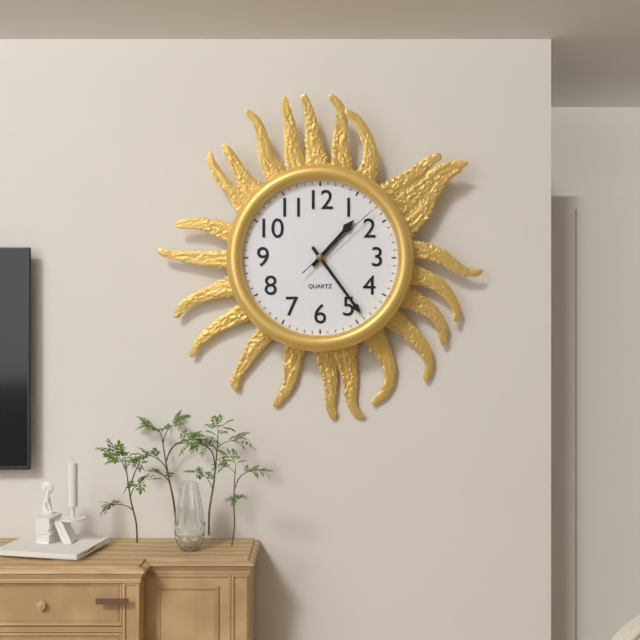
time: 1:24:08
